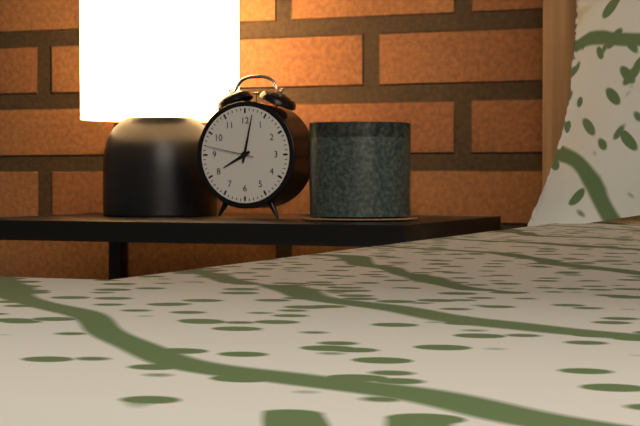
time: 8:02
